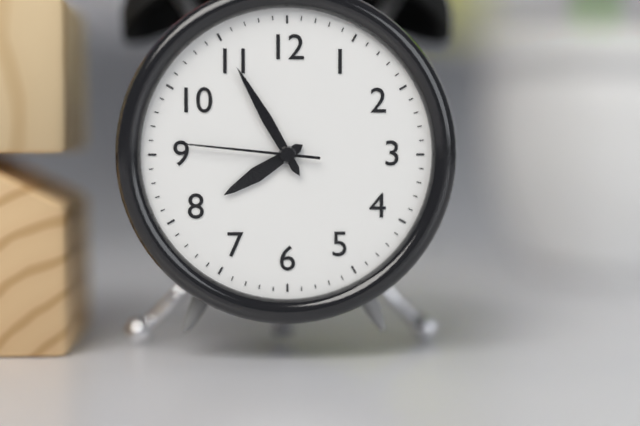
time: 7:55:46
